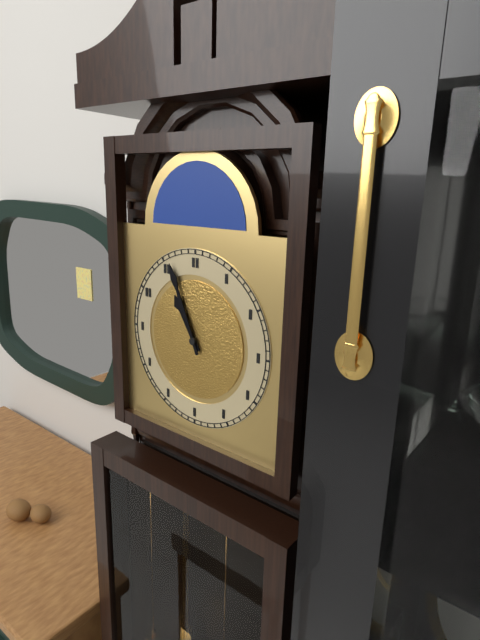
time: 10:56
